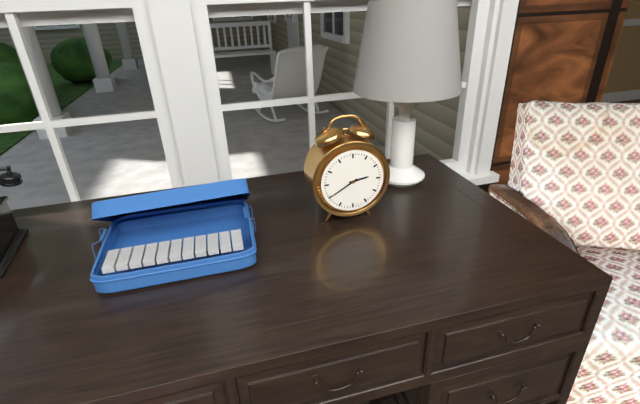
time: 2:40
